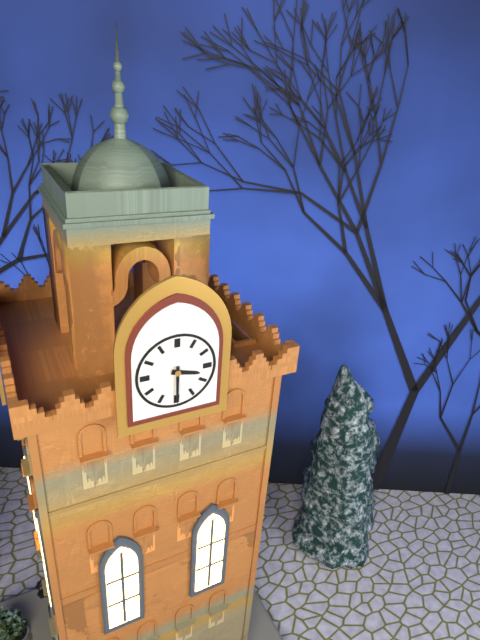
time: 3:30
